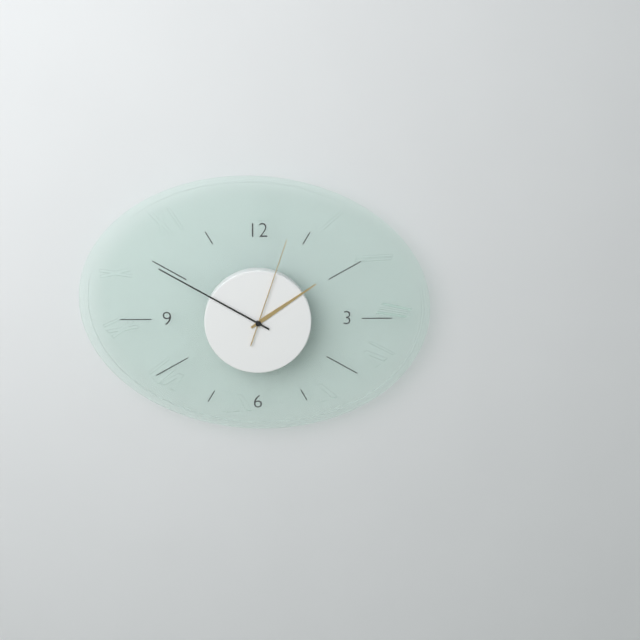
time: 1:50:03
